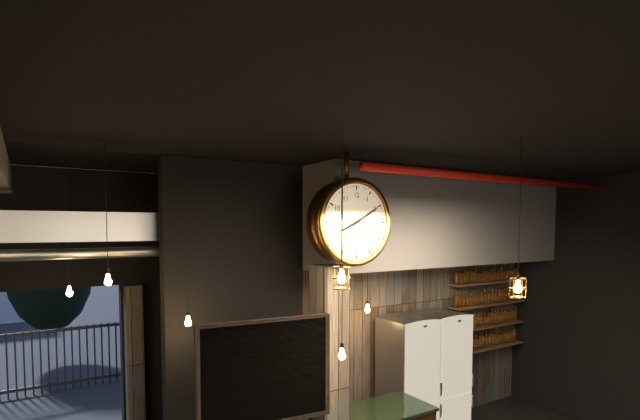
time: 8:10
